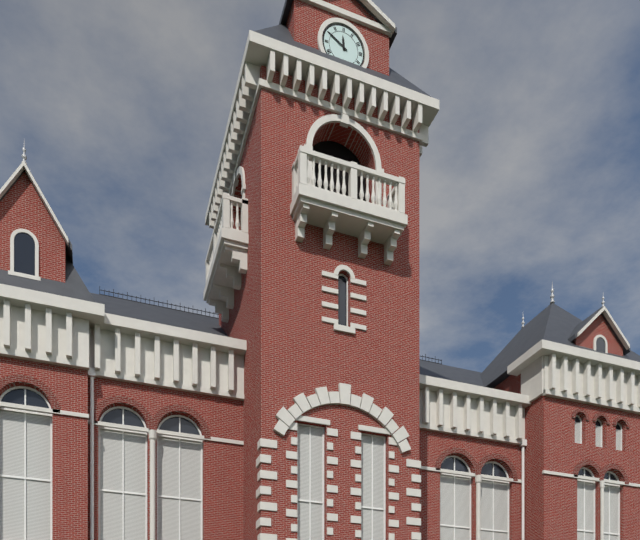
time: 11:50
